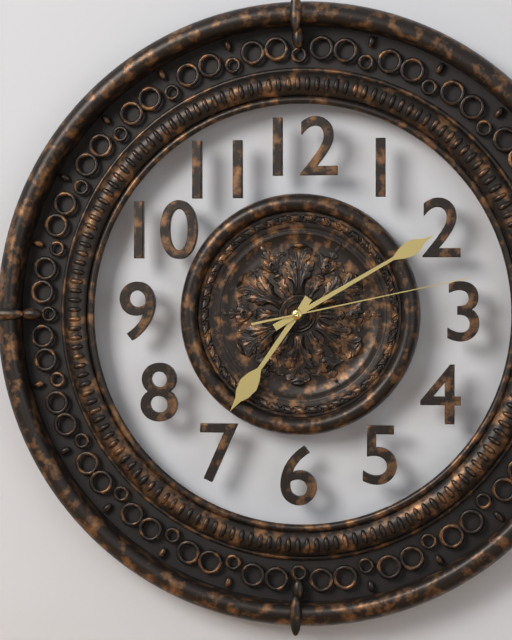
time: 7:10:13
